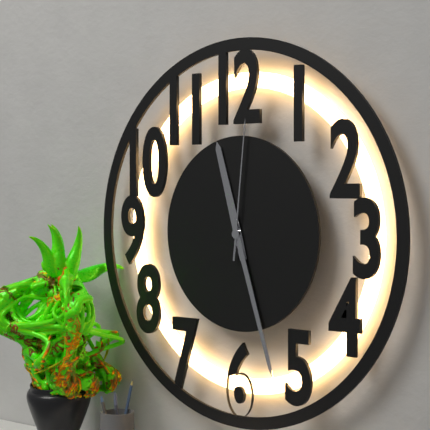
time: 11:27:01
